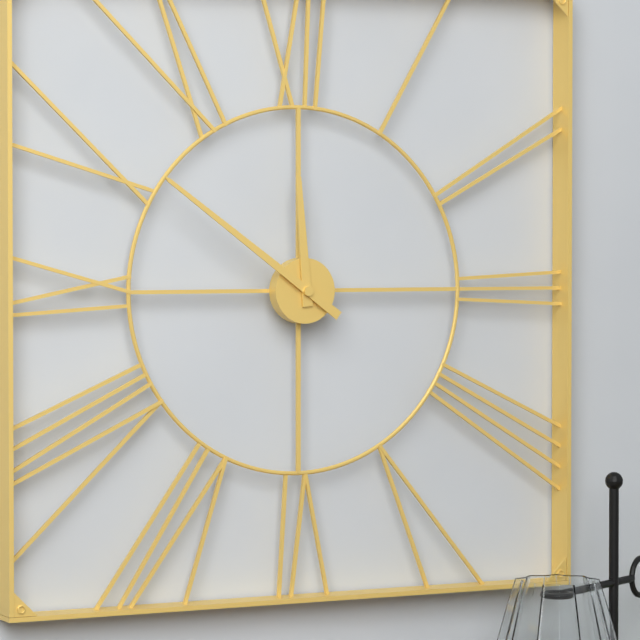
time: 11:51
